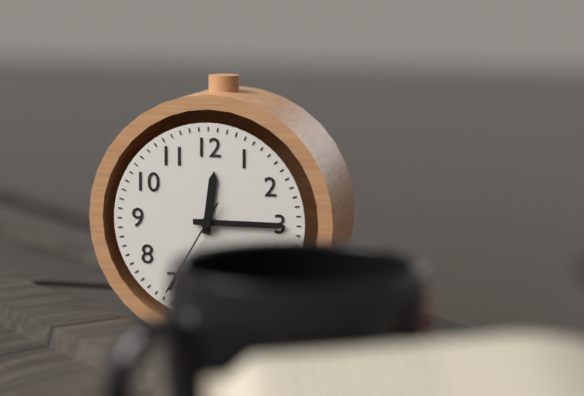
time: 12:15
